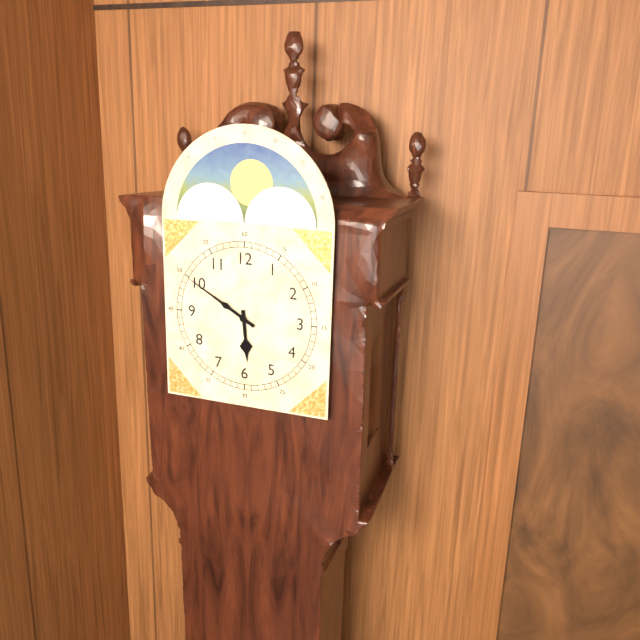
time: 5:50
